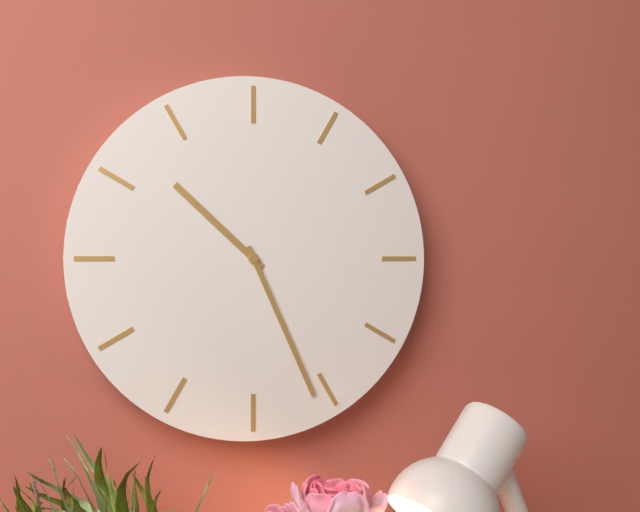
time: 10:26
